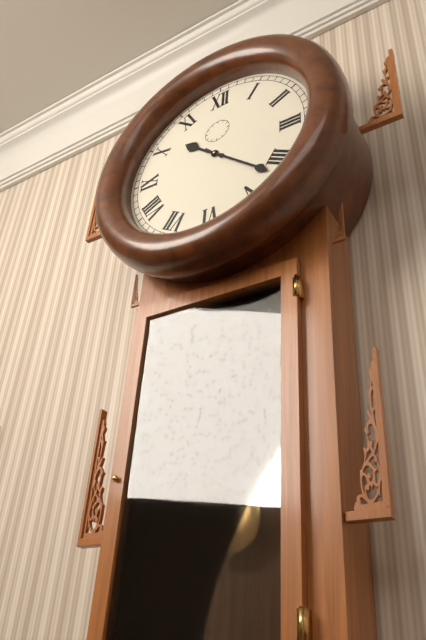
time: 10:22
